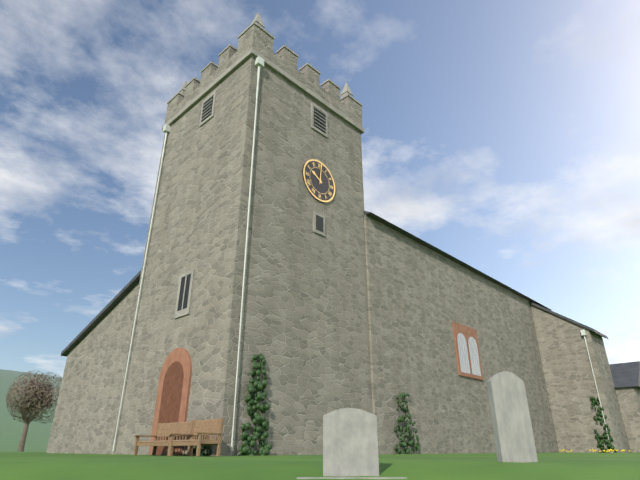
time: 10:01
